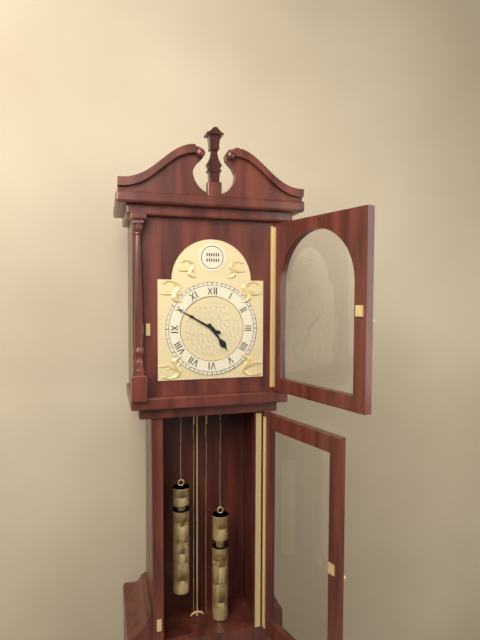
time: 4:50
